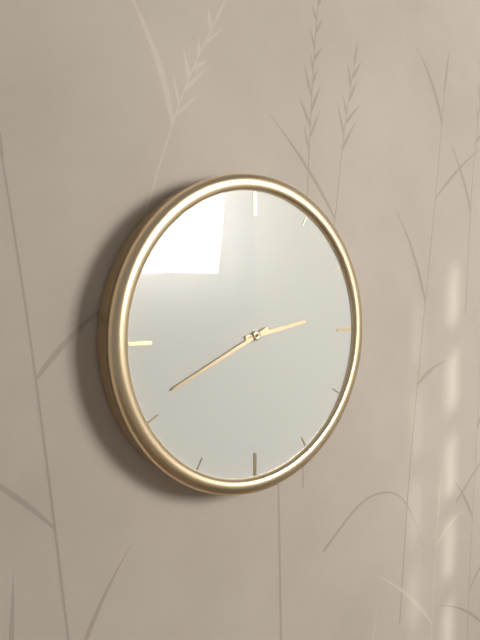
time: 2:41
